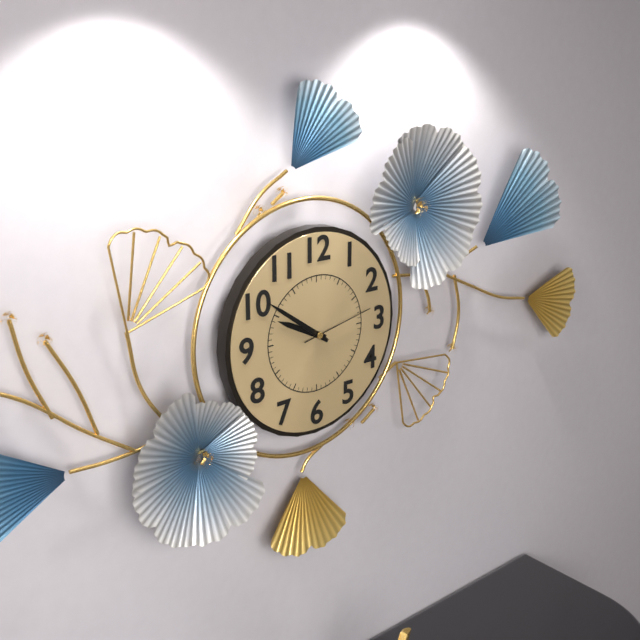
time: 9:51:13
